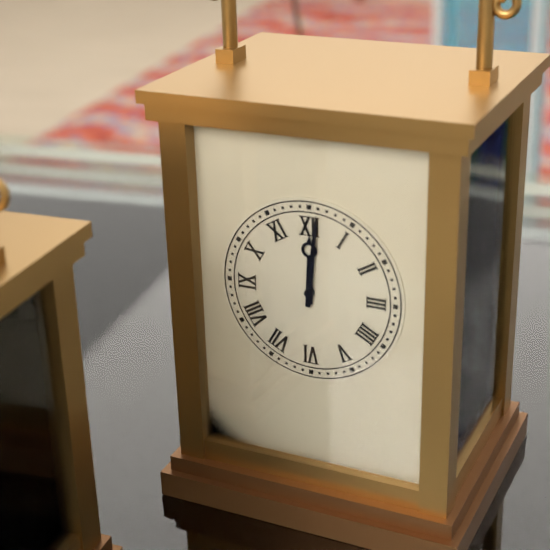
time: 12:01
